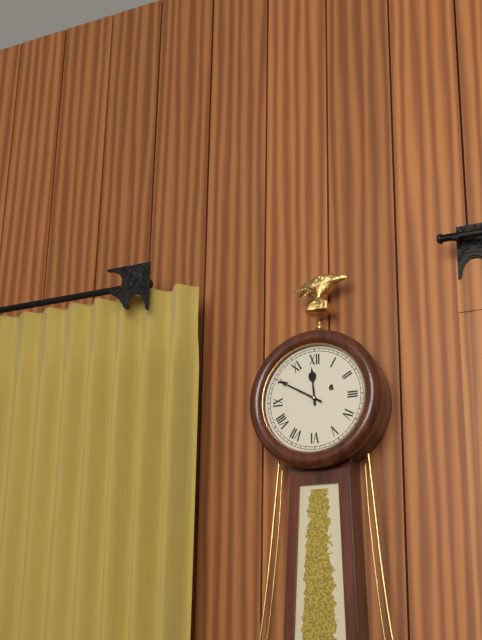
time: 11:50
